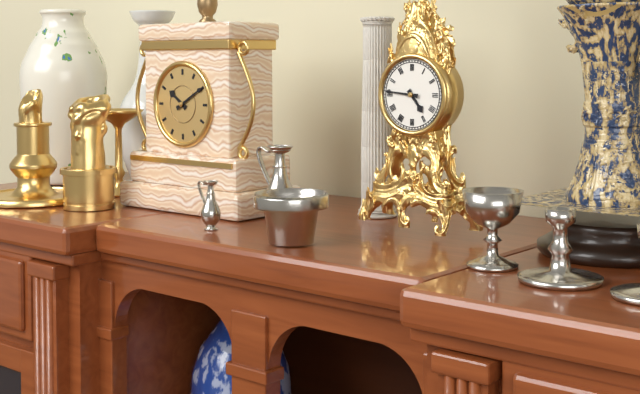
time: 4:46
